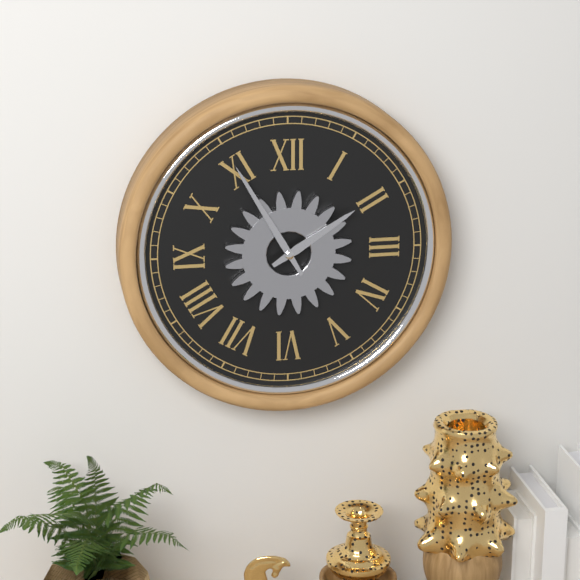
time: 1:55
